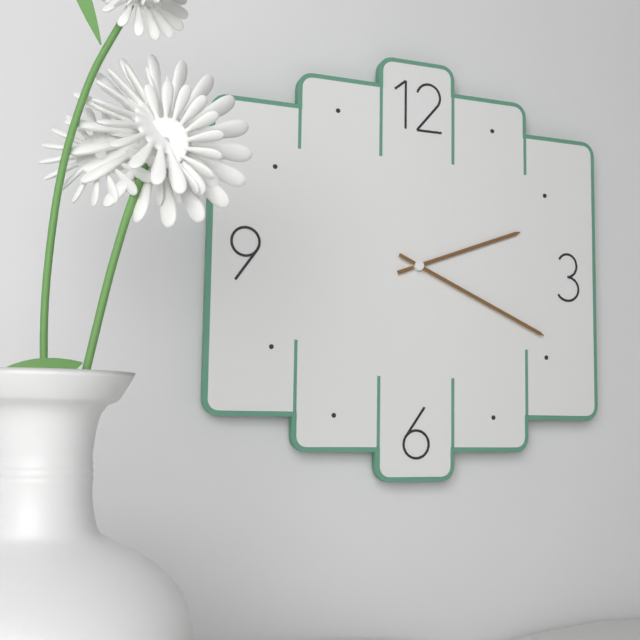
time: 2:19
